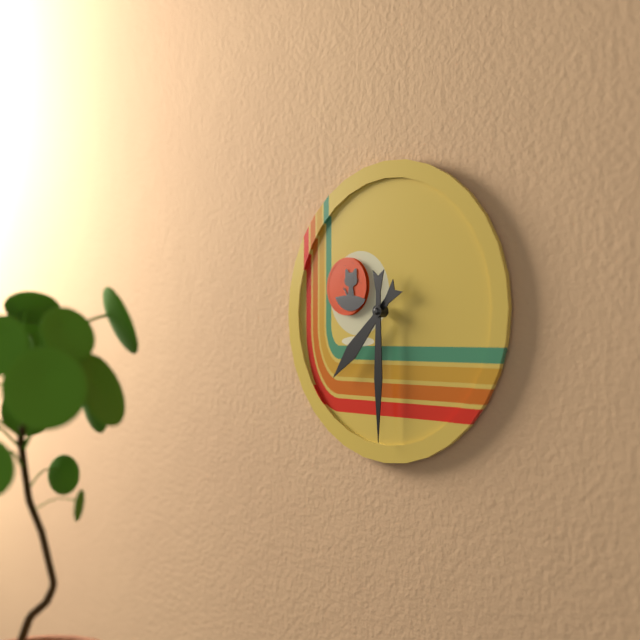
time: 7:30
